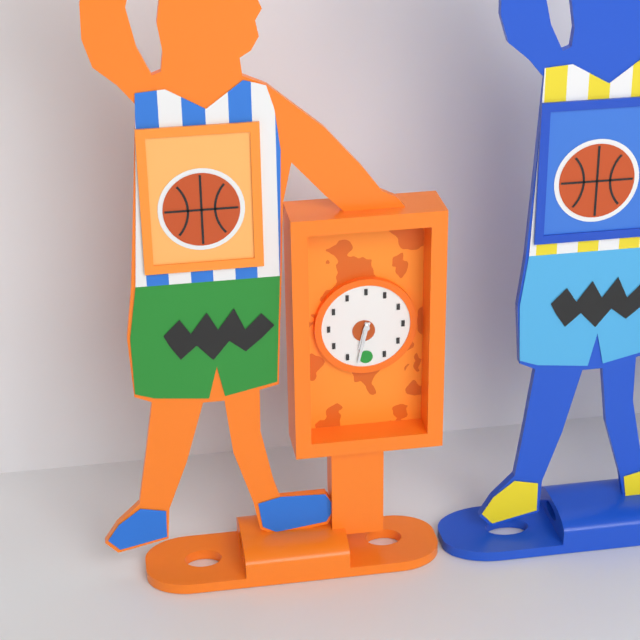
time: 6:32
